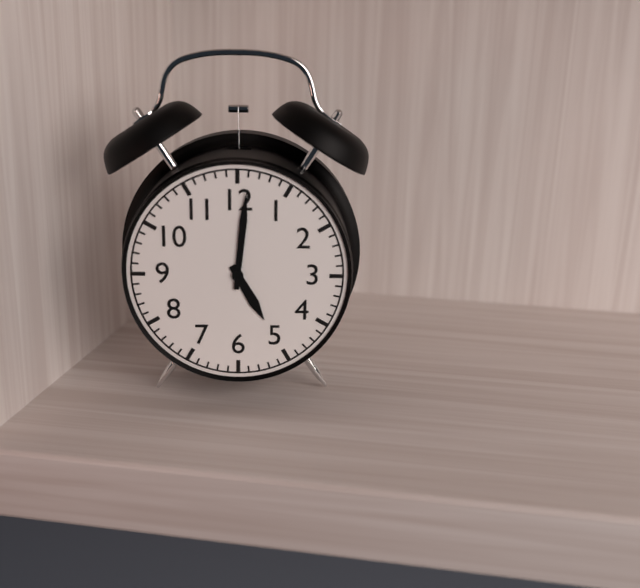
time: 5:01
